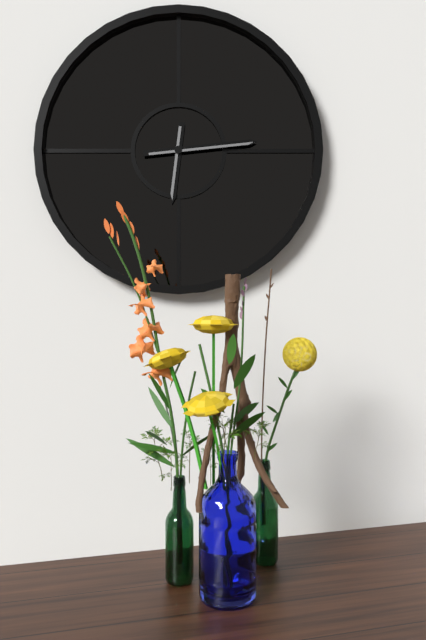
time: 6:14
